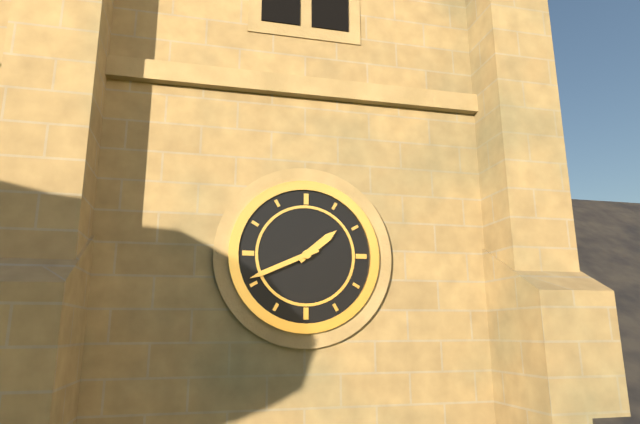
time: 1:41
